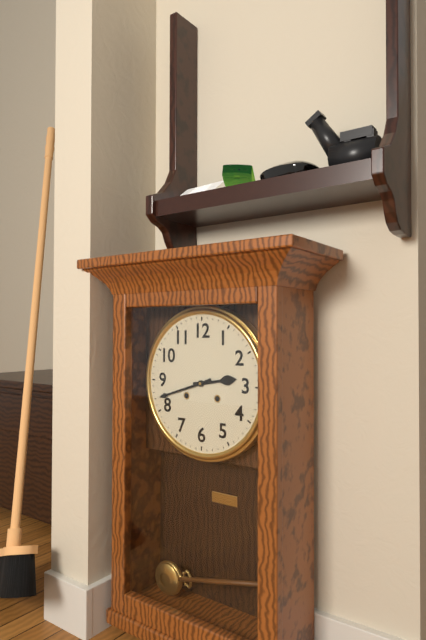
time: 2:42
